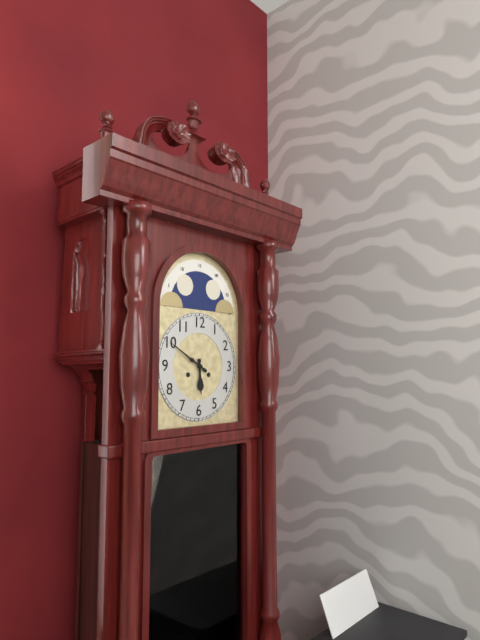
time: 5:50
